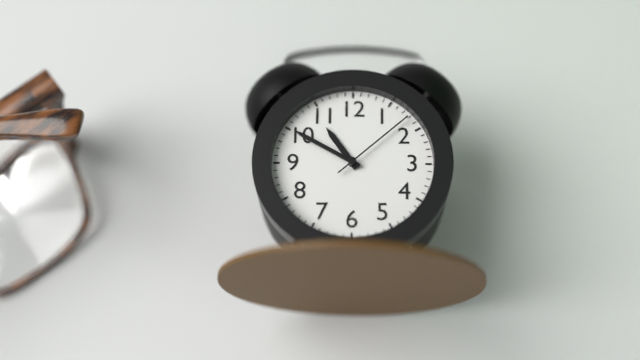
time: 10:50:08
